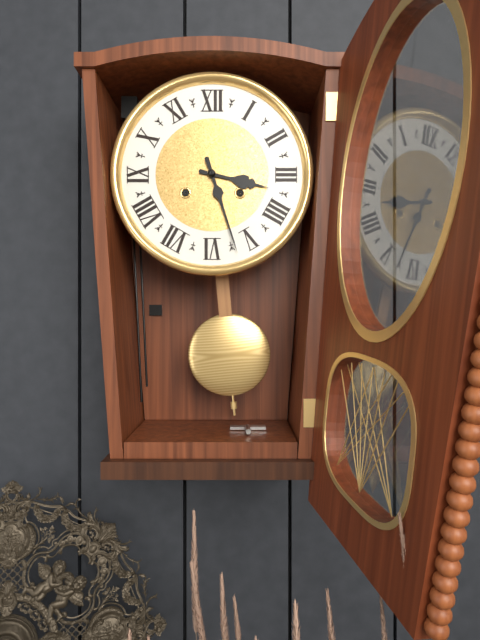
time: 3:27
